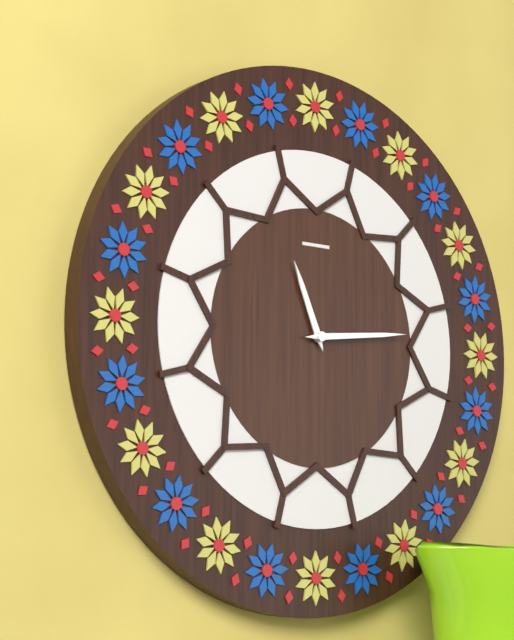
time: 11:14
